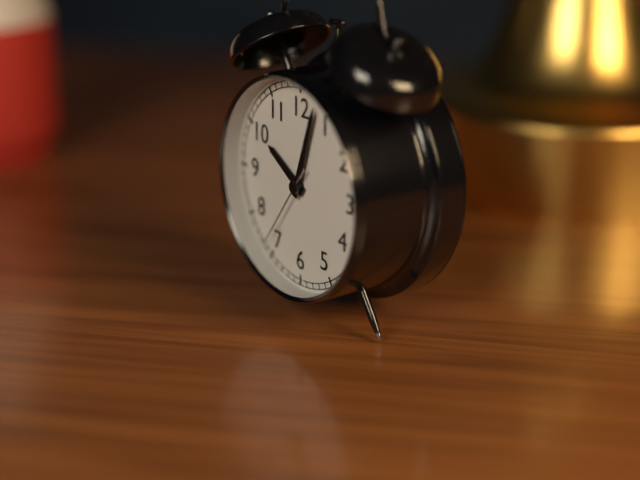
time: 10:03:36
